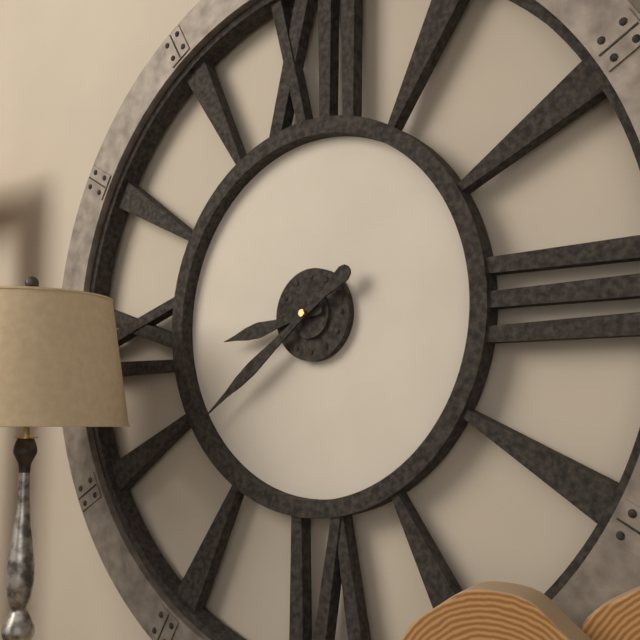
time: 8:39
